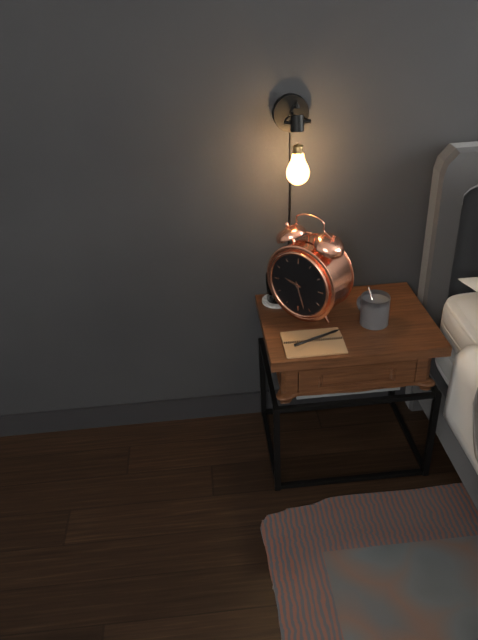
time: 9:27
